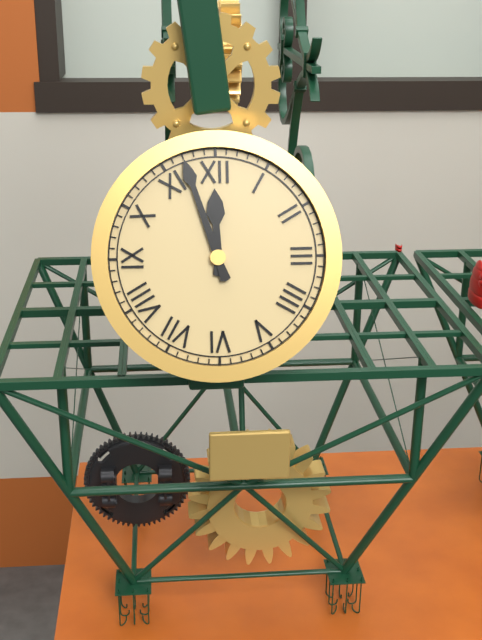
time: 11:57
